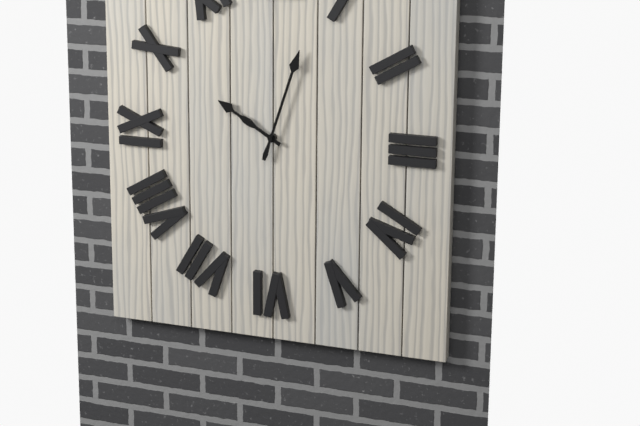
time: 10:03
